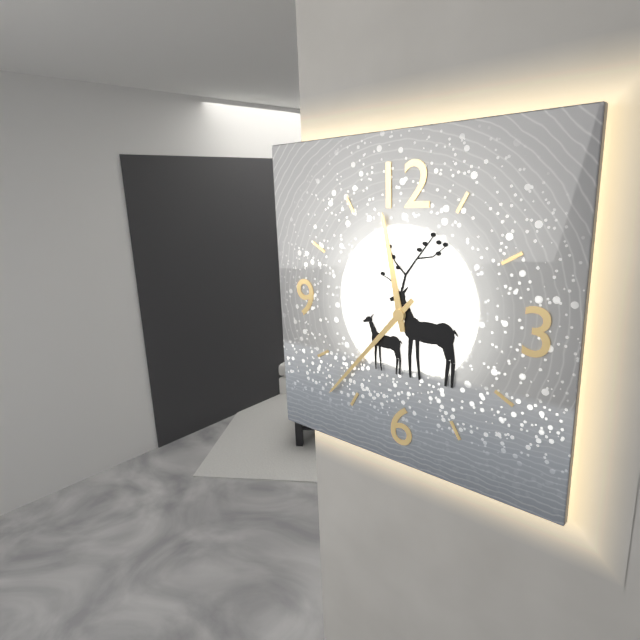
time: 11:37
